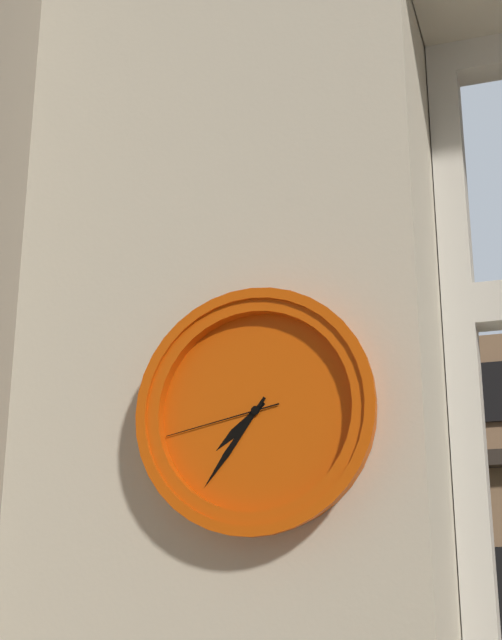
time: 7:36:43
